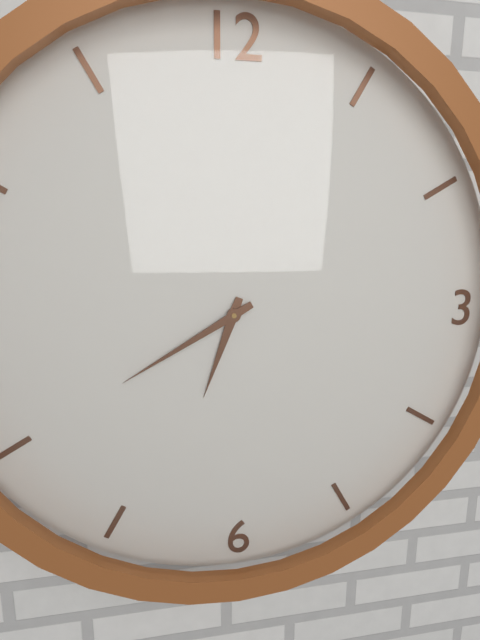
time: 6:40
